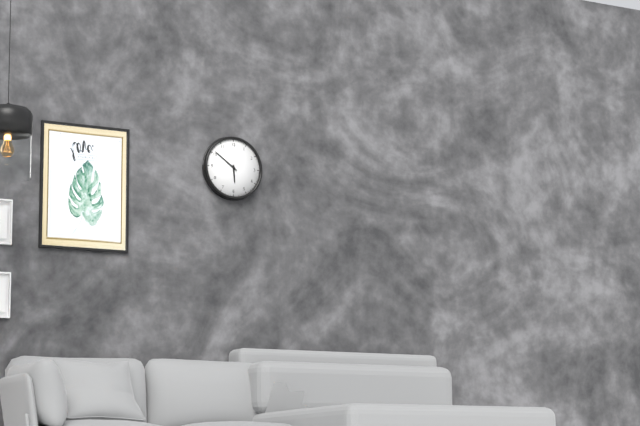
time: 5:51
